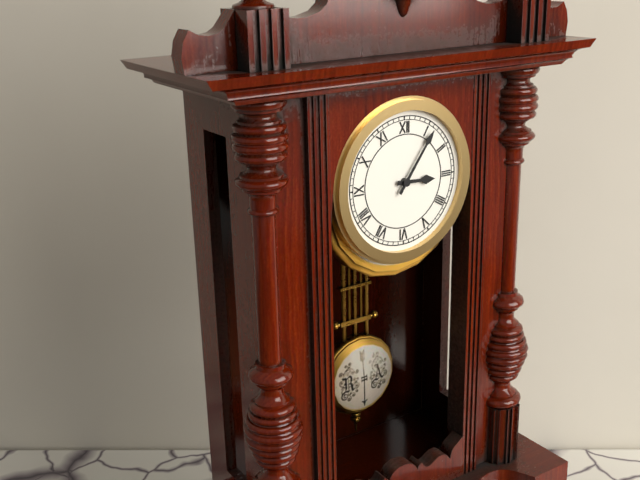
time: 3:06
